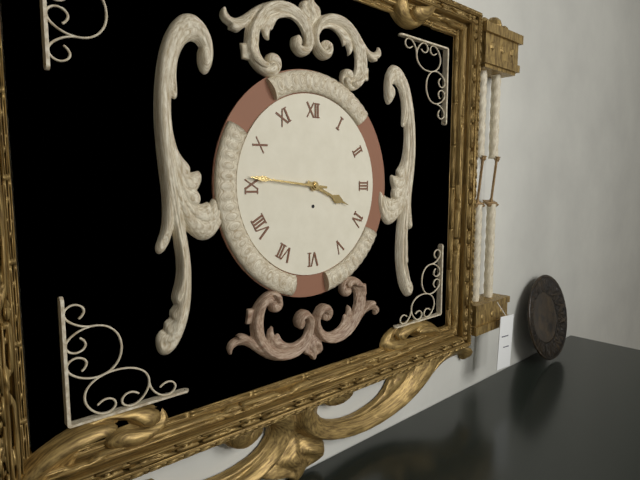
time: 3:46
